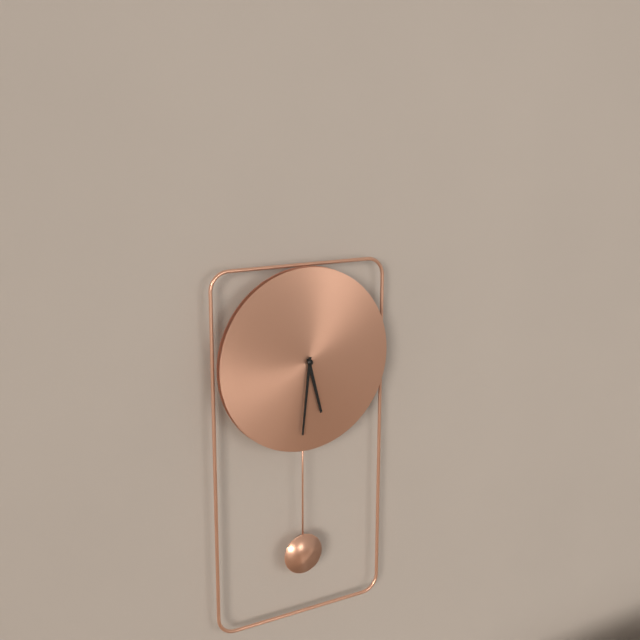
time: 5:31
